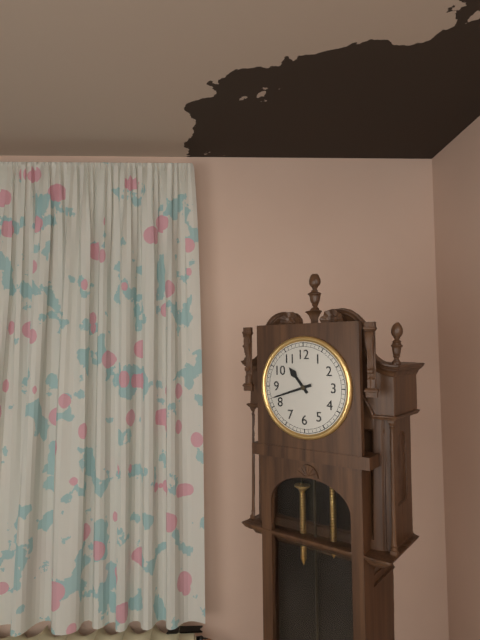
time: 10:42
